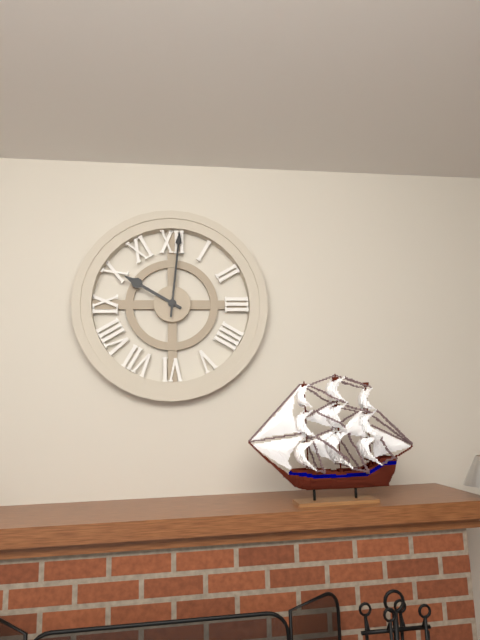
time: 10:01
